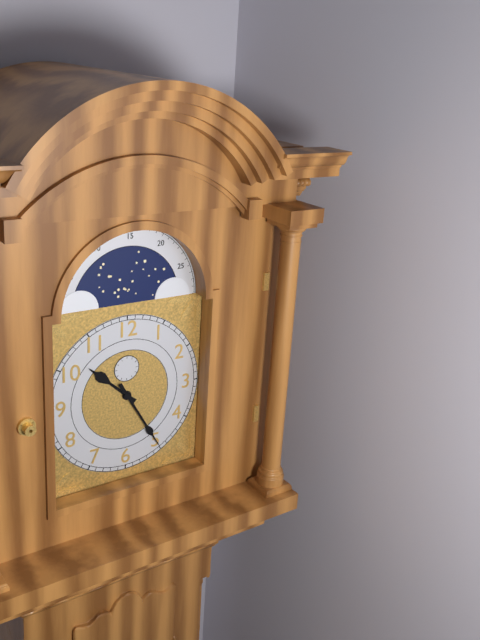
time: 10:25
